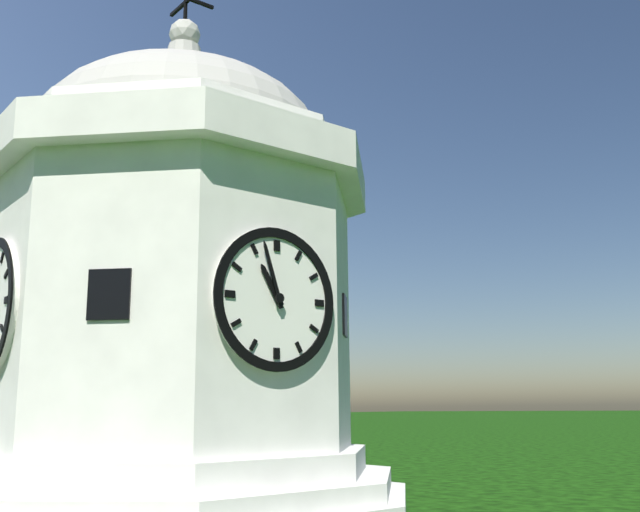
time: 10:57
